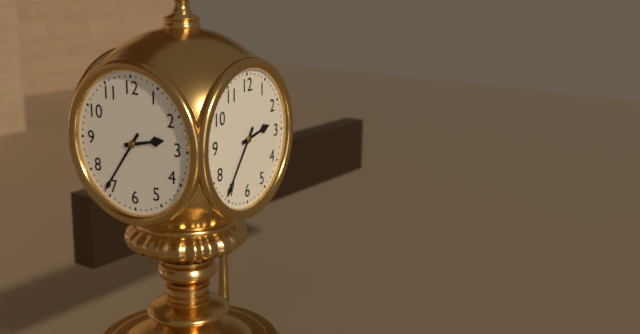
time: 2:36
